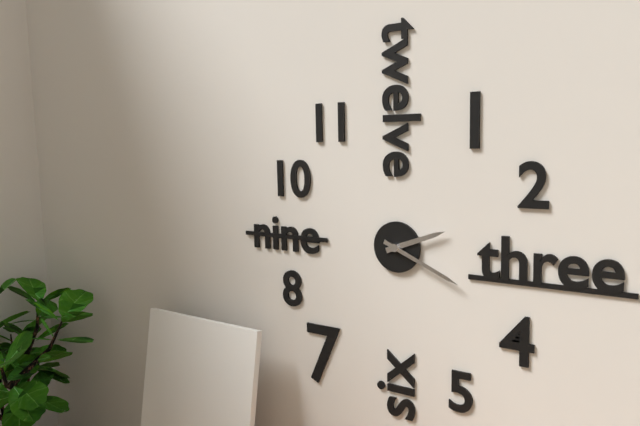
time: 2:19
